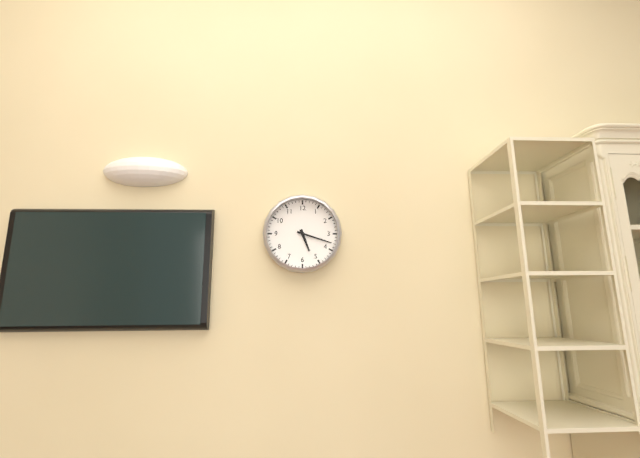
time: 5:18
